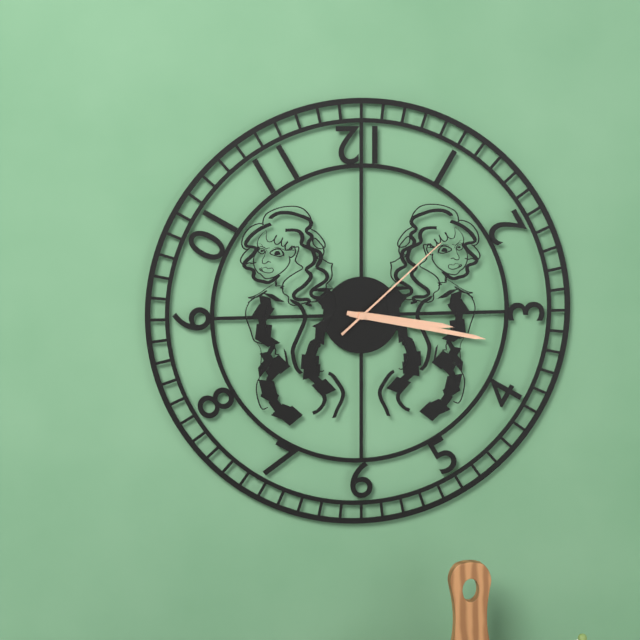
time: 3:17:08
